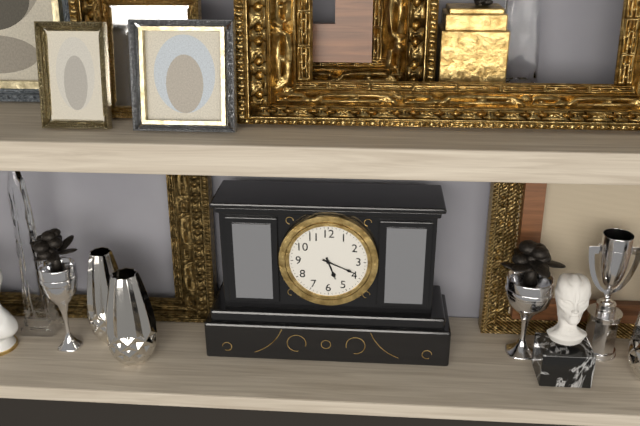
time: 5:19
